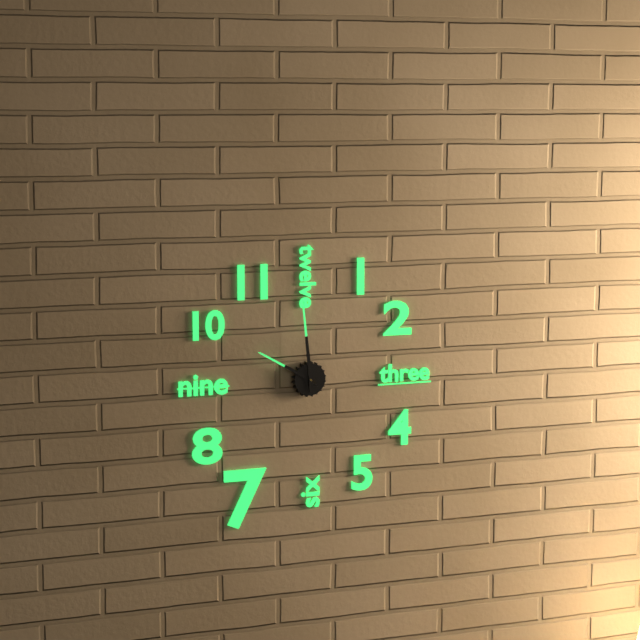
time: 9:59
